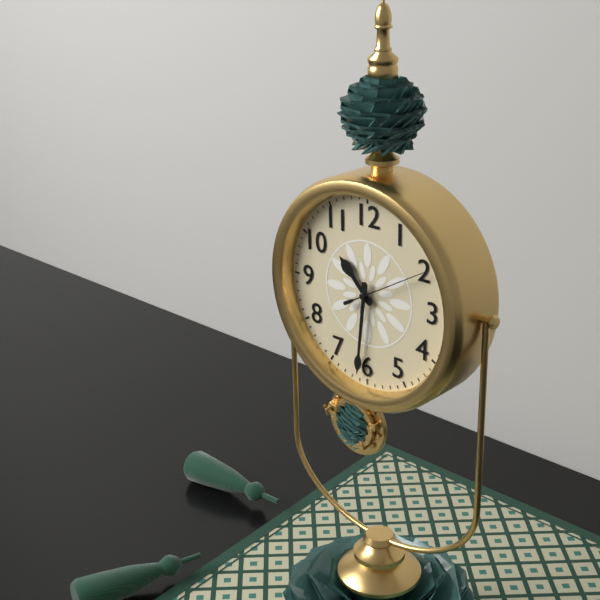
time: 10:31:10
